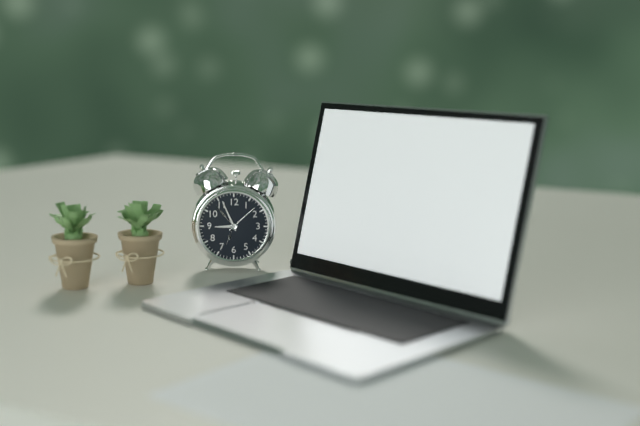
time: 8:56
